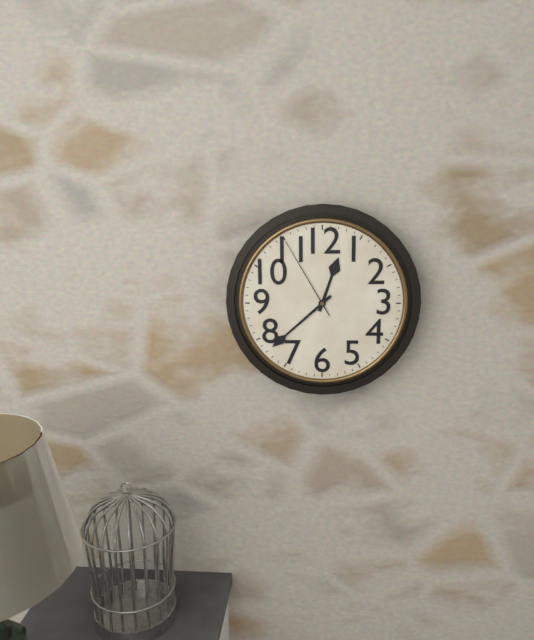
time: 12:38:55
